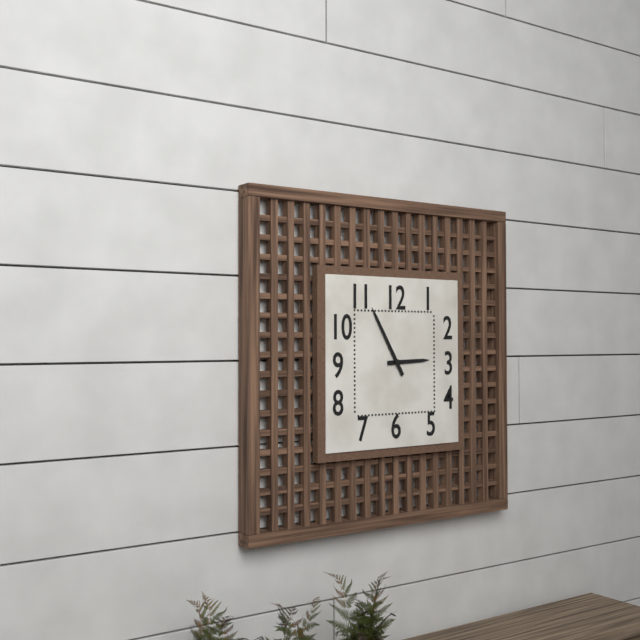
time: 2:55
